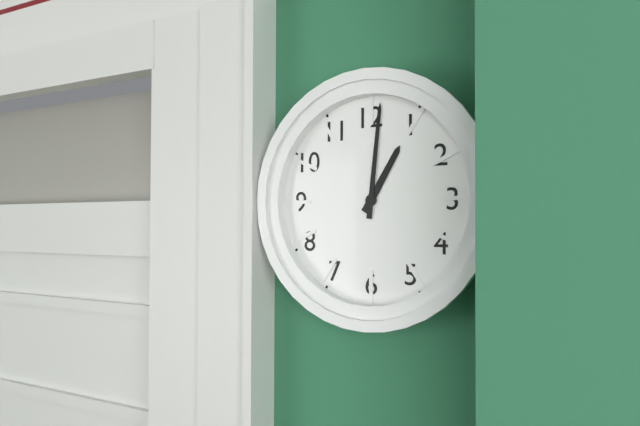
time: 1:01
